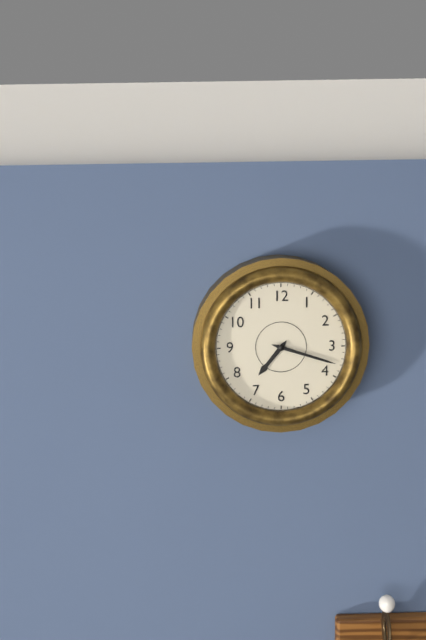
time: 7:18
